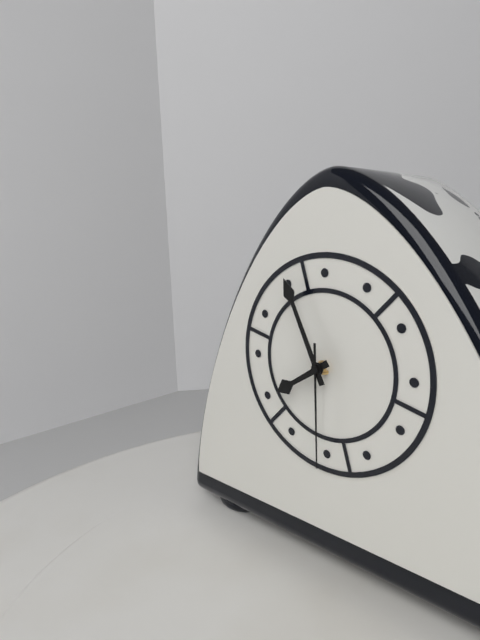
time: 7:56:30
